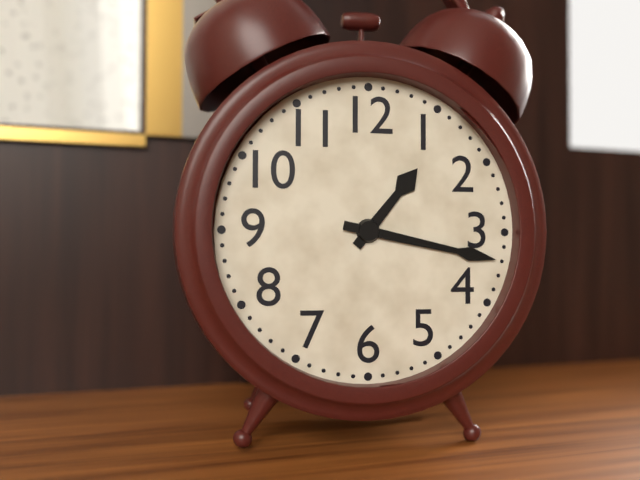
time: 1:17
